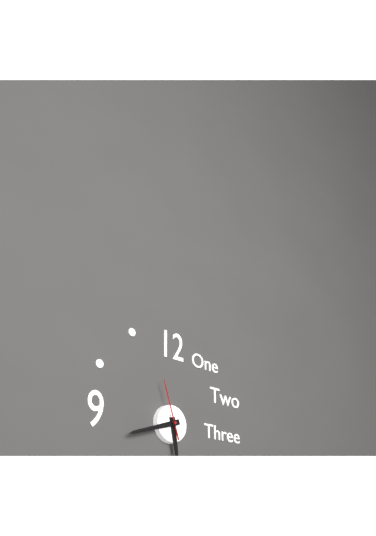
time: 5:42:57
